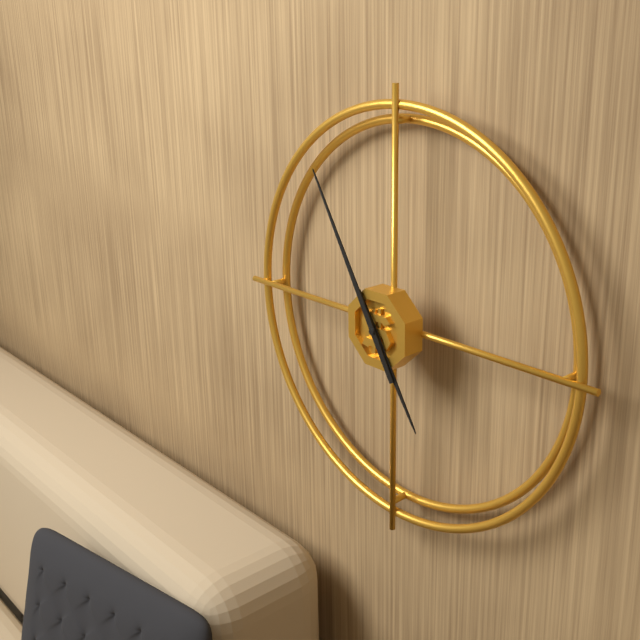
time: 4:55
